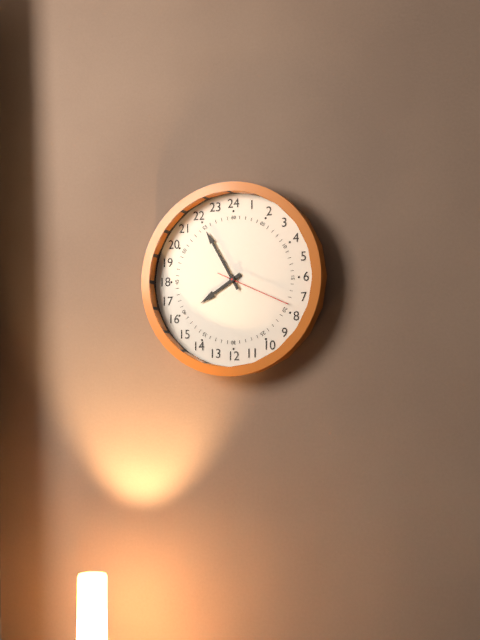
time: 7:55:19
